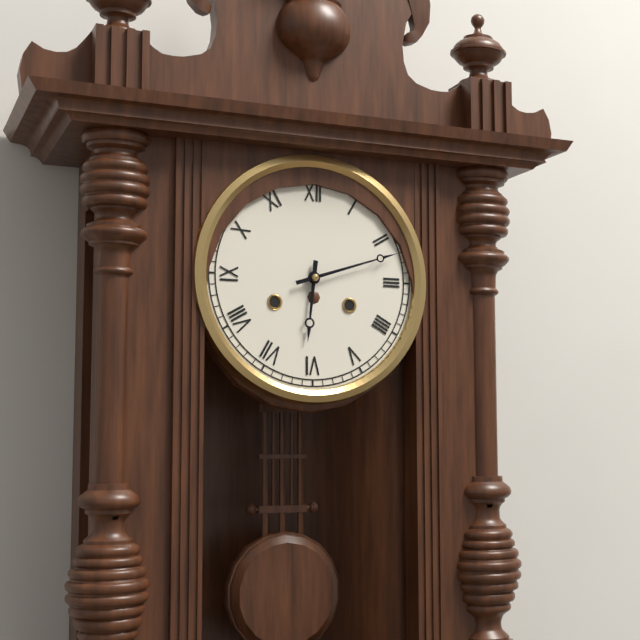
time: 6:12
